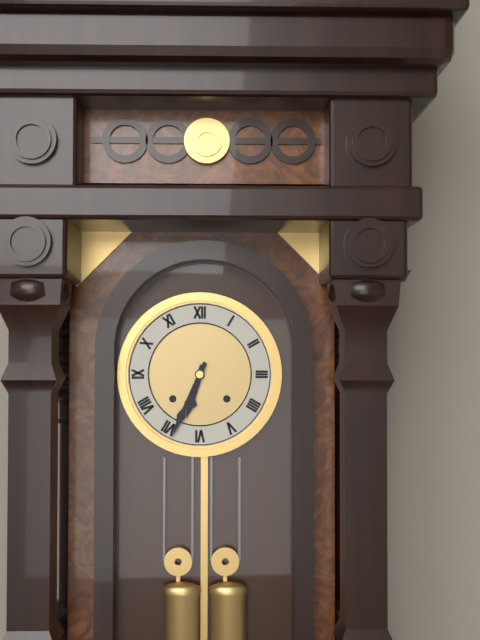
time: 6:34
